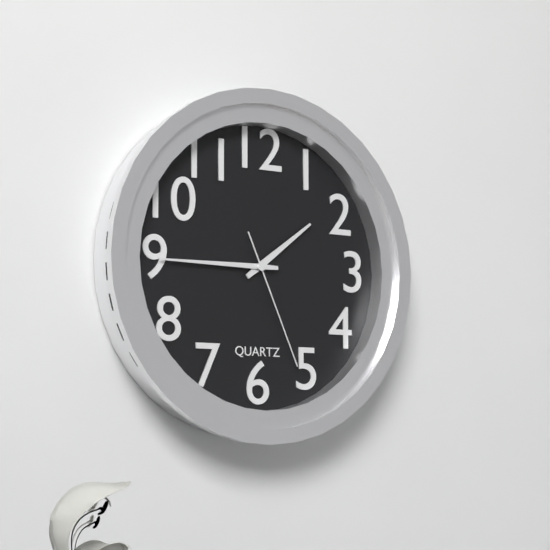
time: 1:45:26
